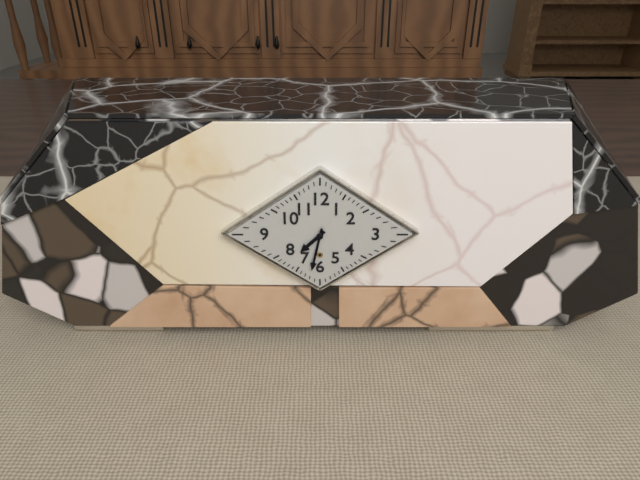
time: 7:32
